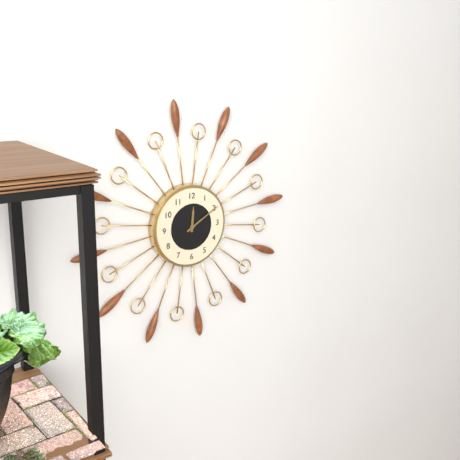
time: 12:10
